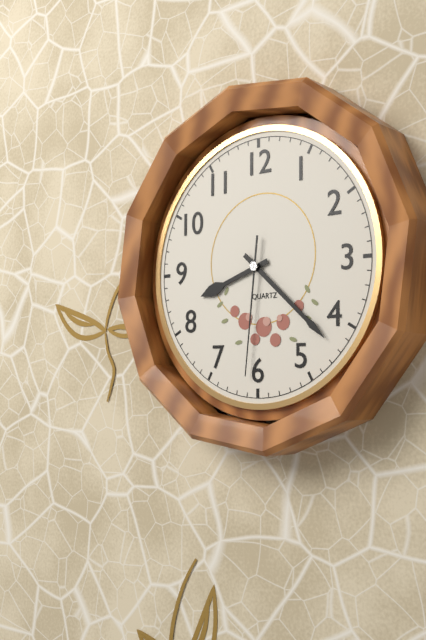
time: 8:22:31
